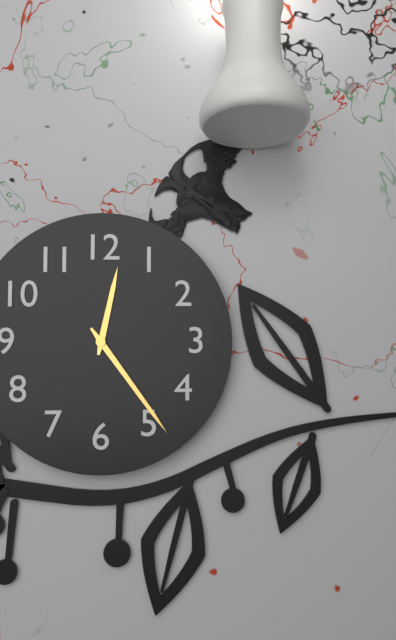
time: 12:24
